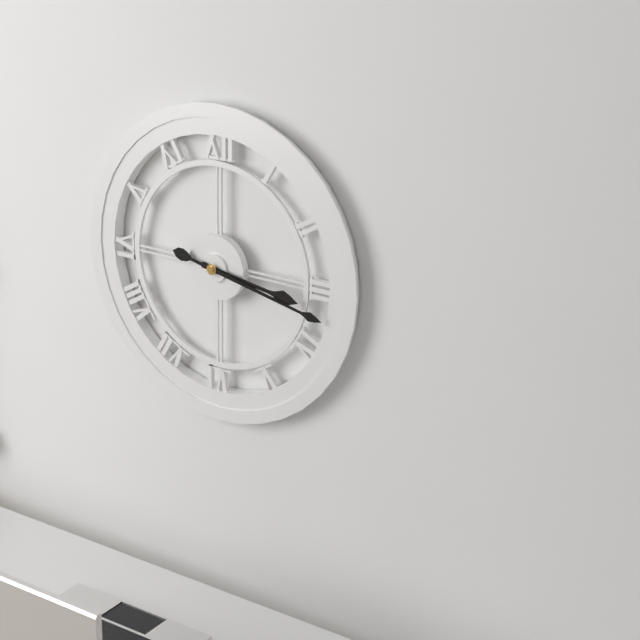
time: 3:17
